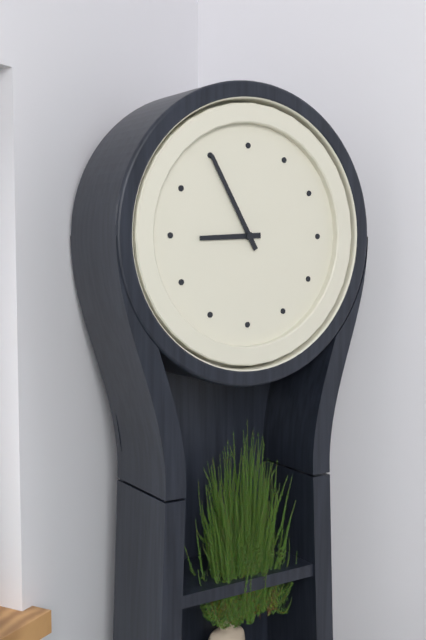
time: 8:55
